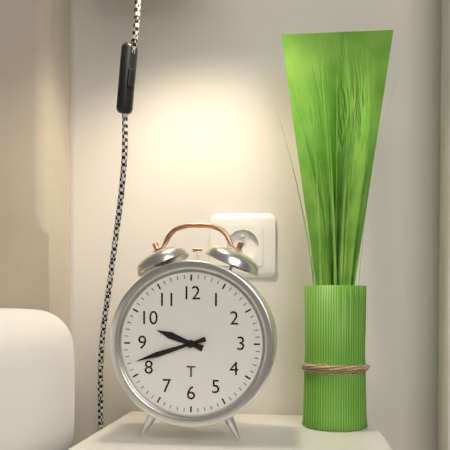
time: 9:42
